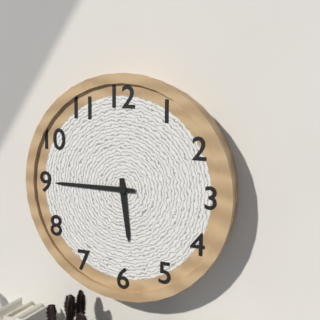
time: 5:45
